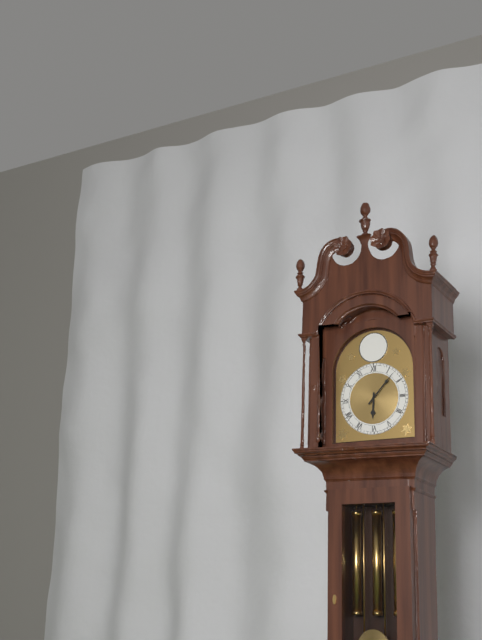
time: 6:07
